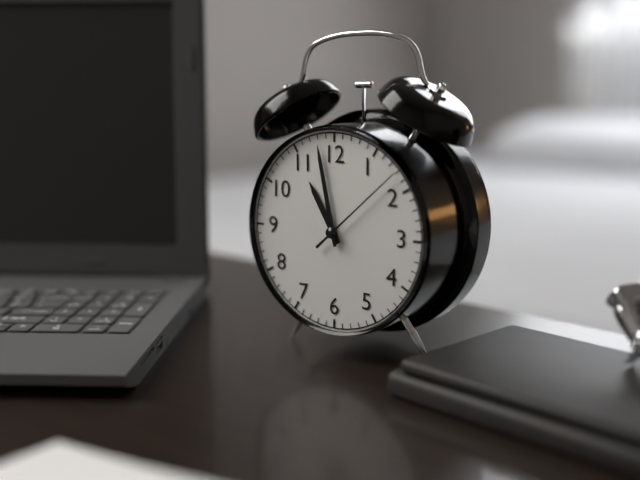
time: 10:58:08
